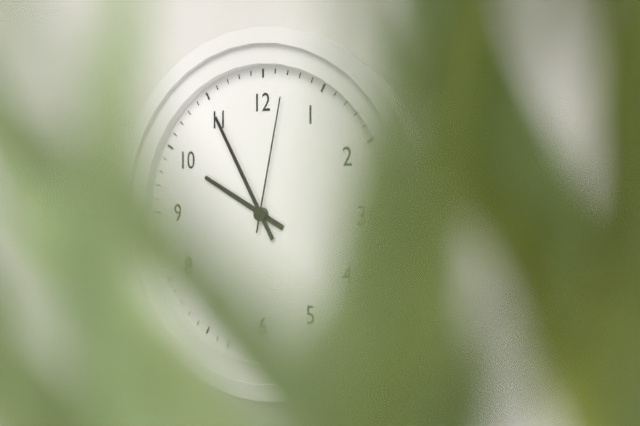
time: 9:55:02
